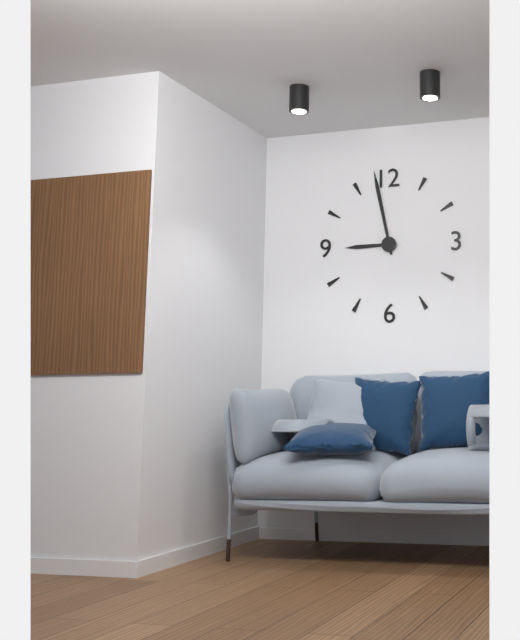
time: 8:58
